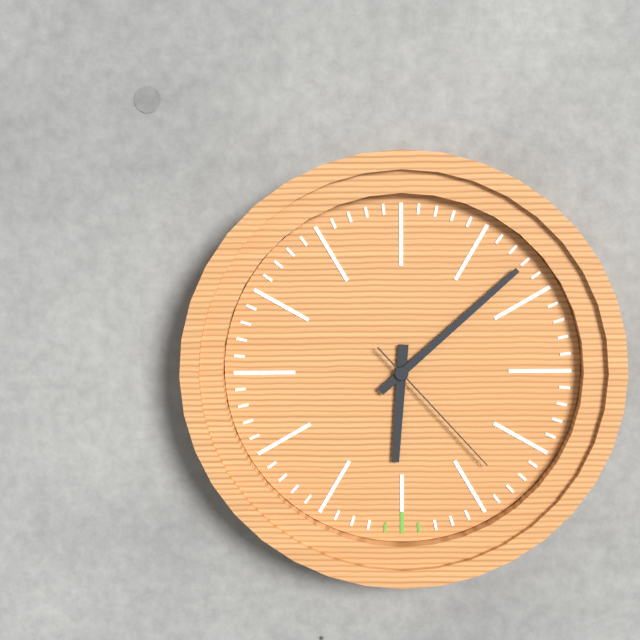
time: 6:08:23
